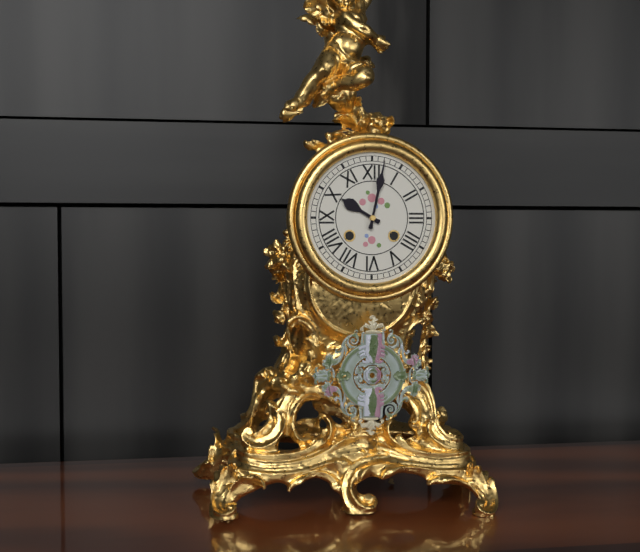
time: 10:02
